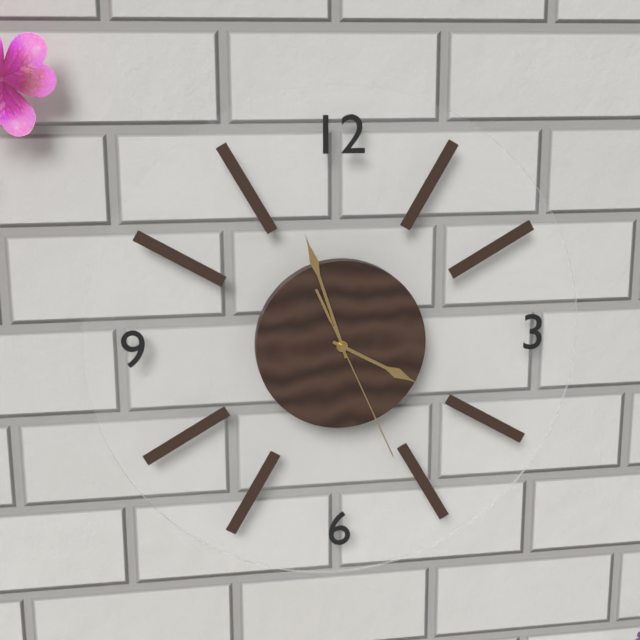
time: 3:57:26
